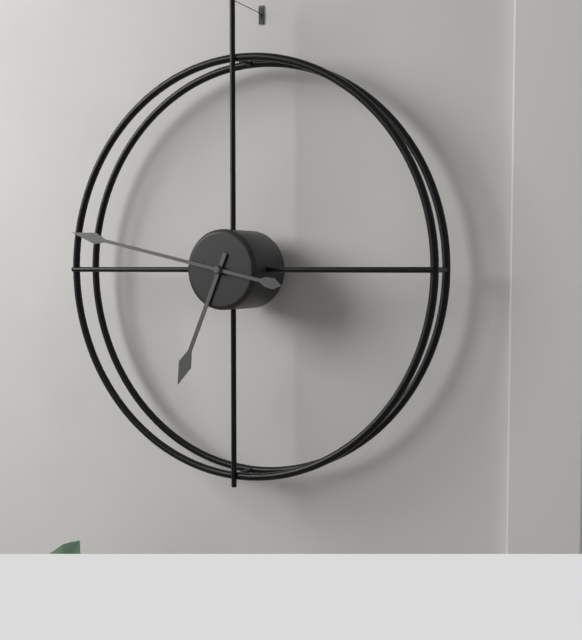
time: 6:47
